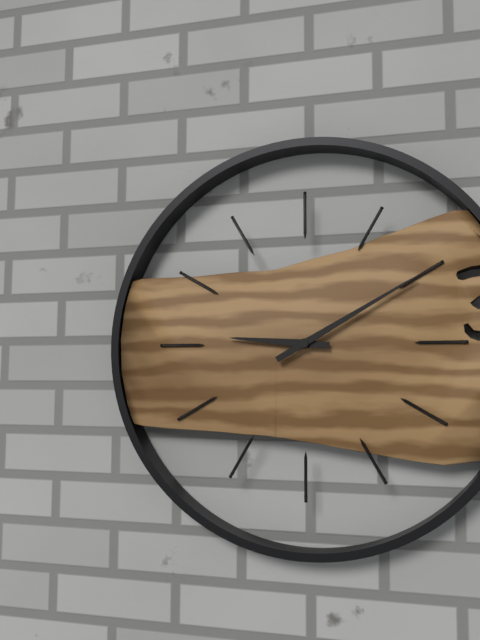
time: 9:10
